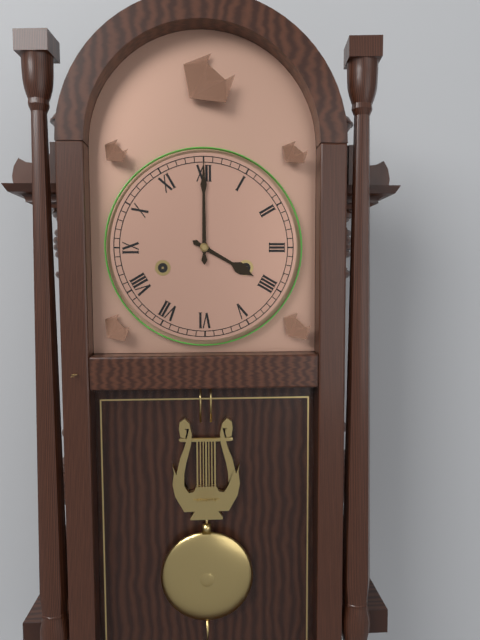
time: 4:00
